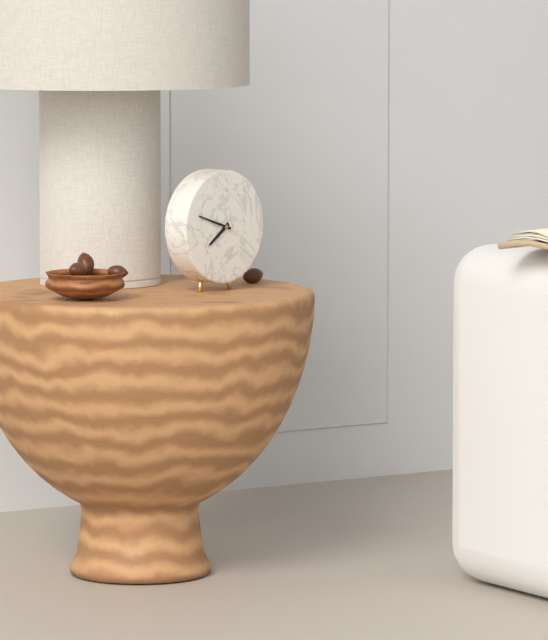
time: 7:48
